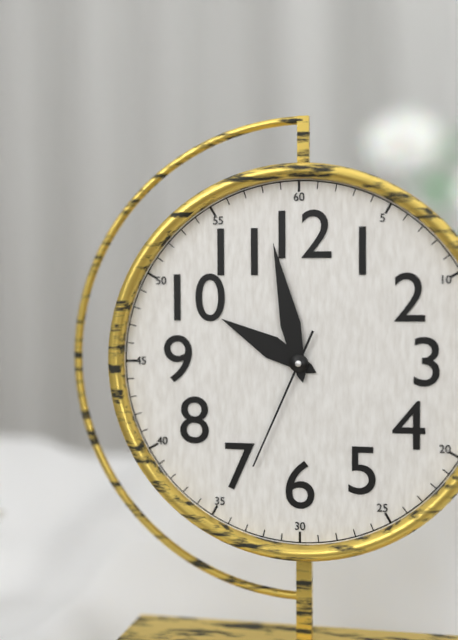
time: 9:58:34
